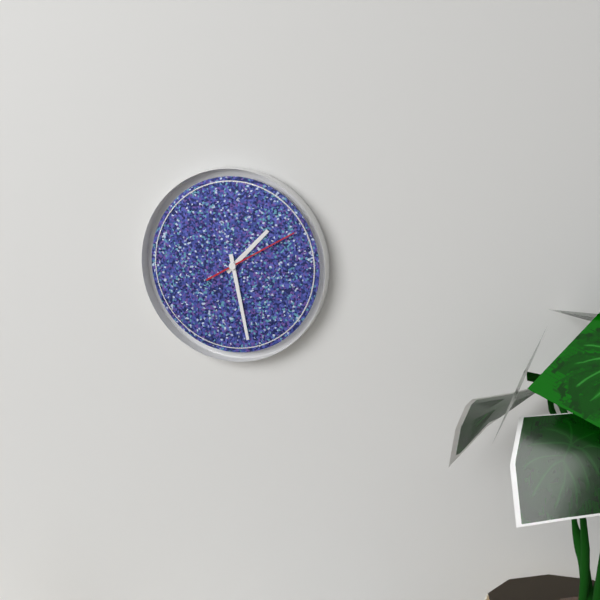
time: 1:28:10
